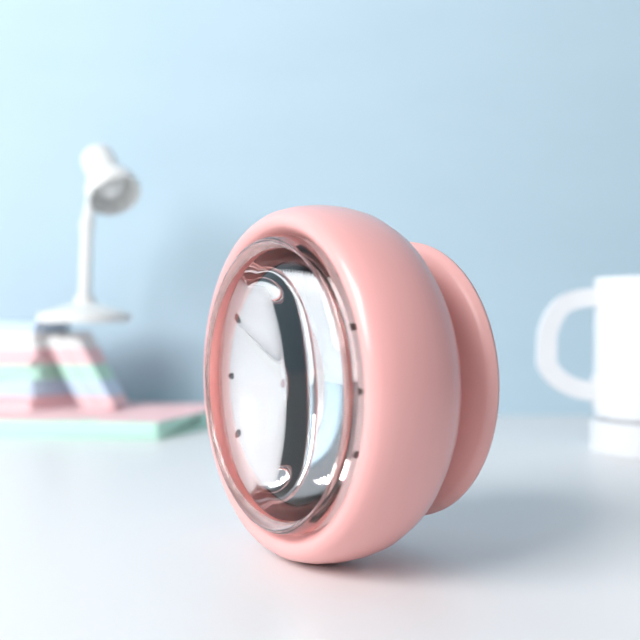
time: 1:50
